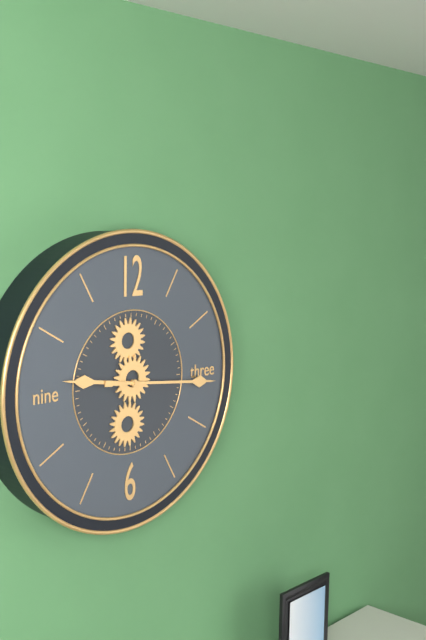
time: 9:16
